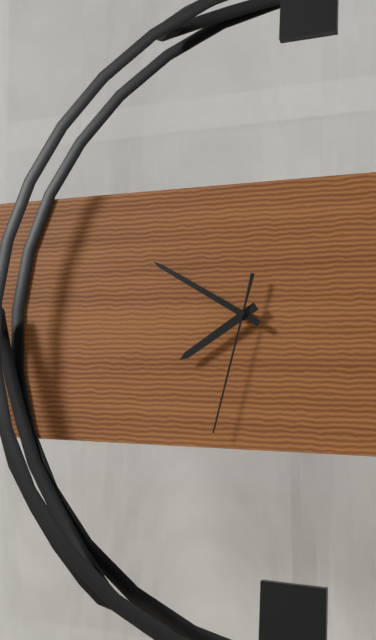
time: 7:50:32
